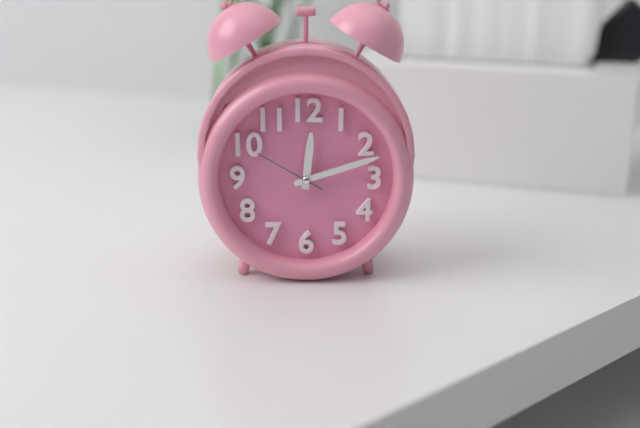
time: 12:12:50
